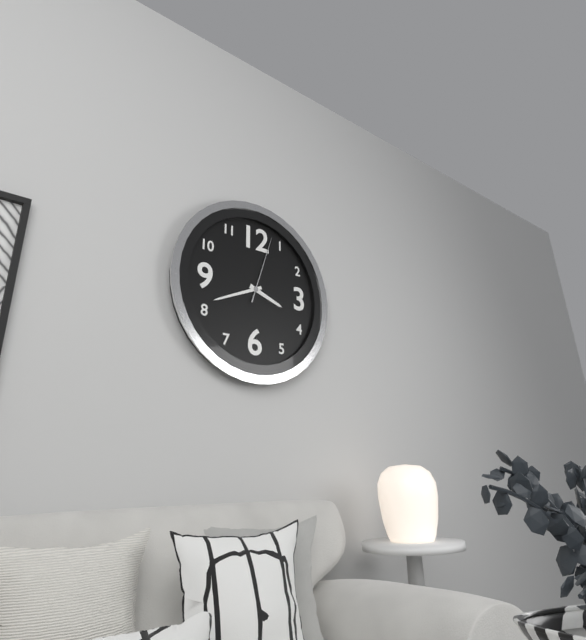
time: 3:41:03
